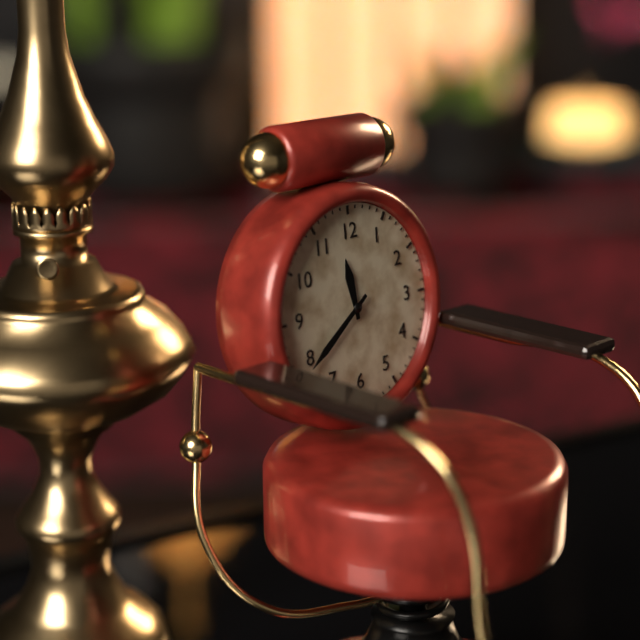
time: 11:39
